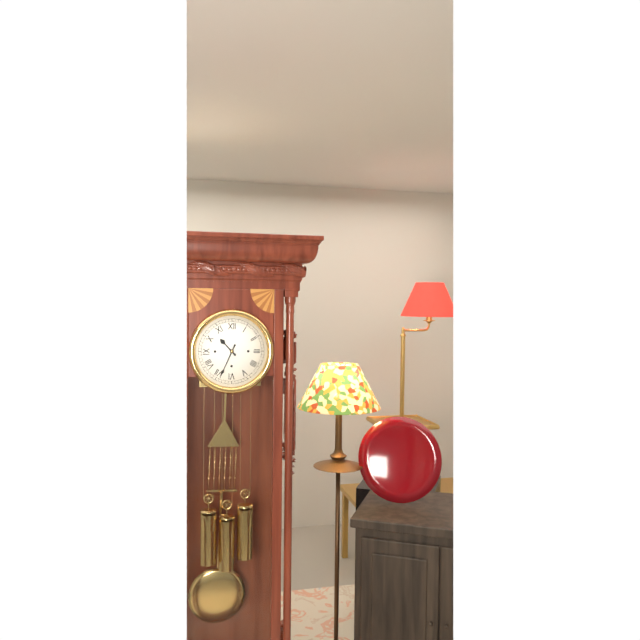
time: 10:34
